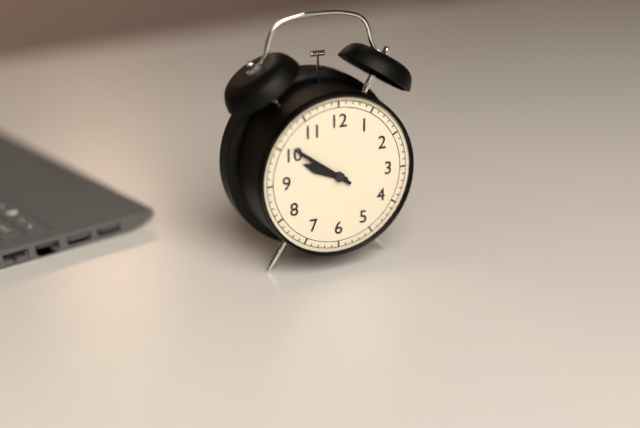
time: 9:51
